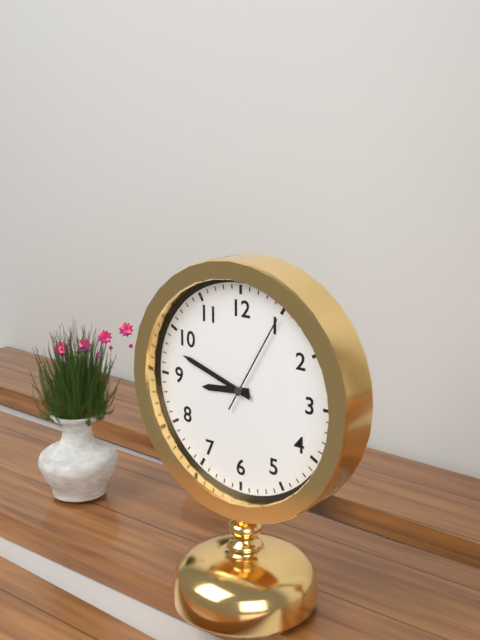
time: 8:48:05
